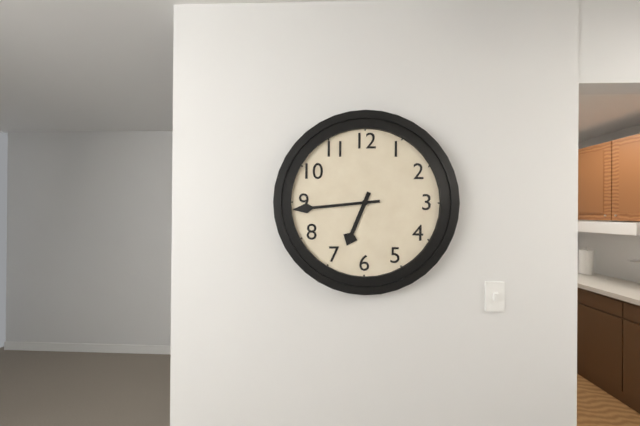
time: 6:44
